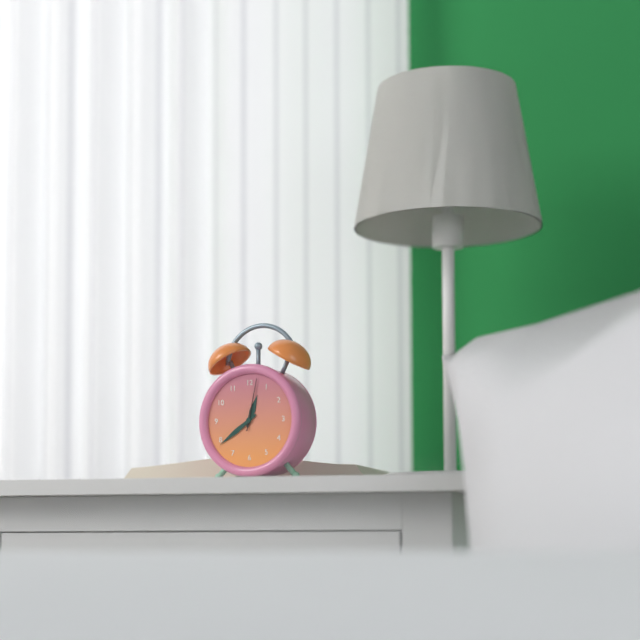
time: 12:39:02
